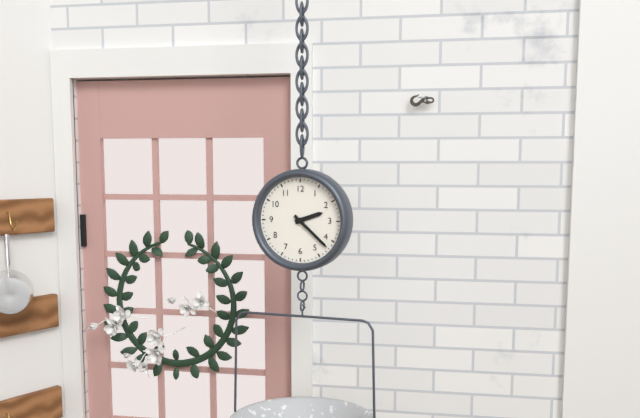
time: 2:22
